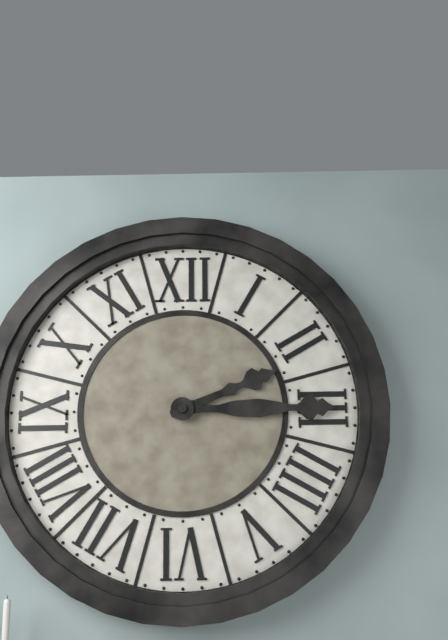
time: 2:15
